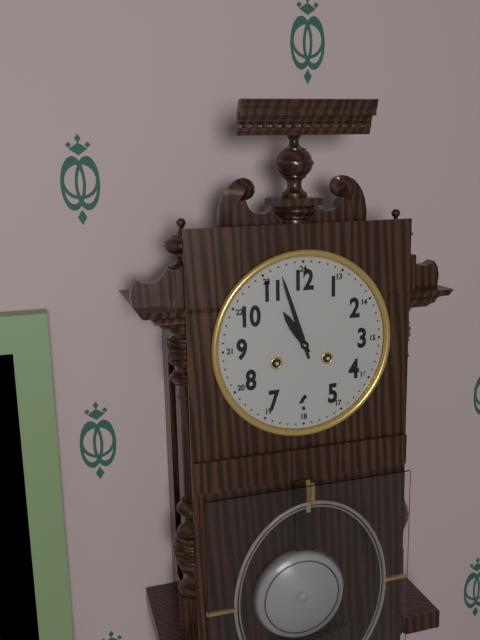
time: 10:57
